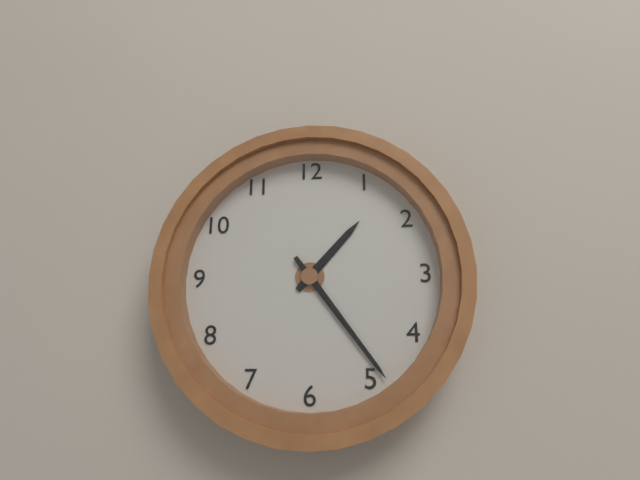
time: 1:24
